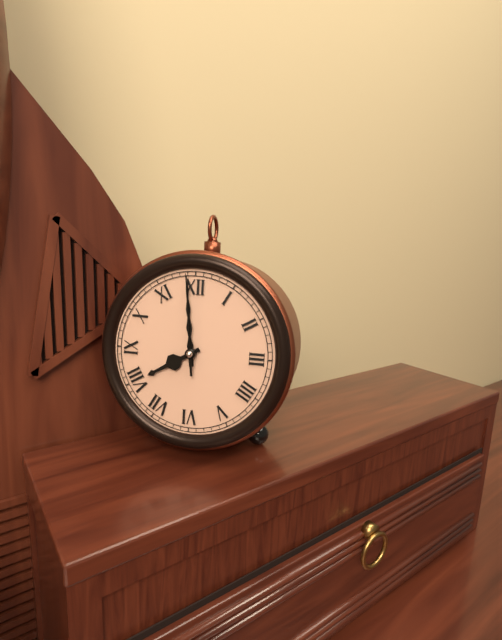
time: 7:59:59
